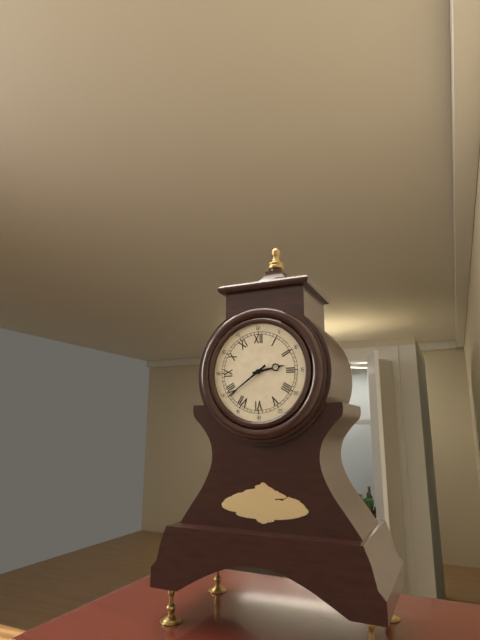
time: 2:39
